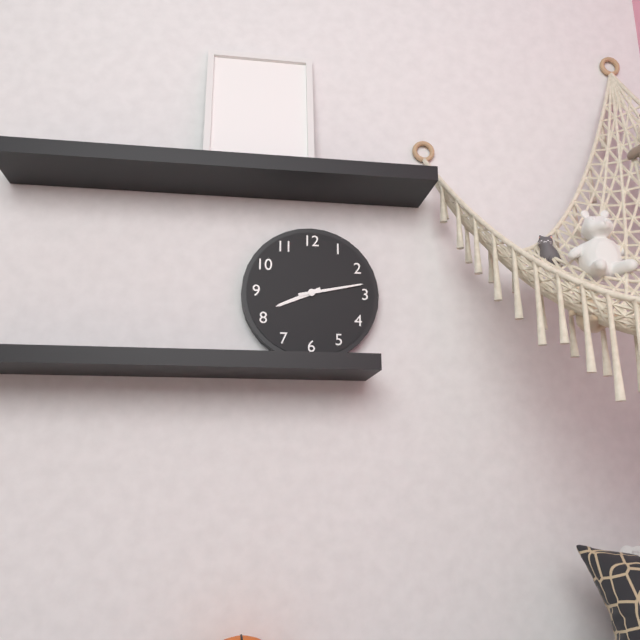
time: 8:13
